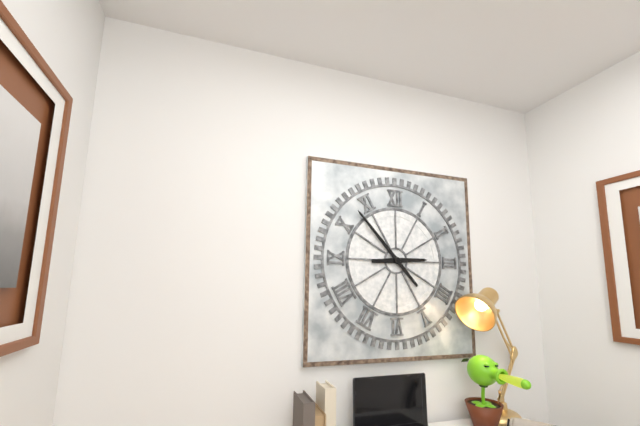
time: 2:53
